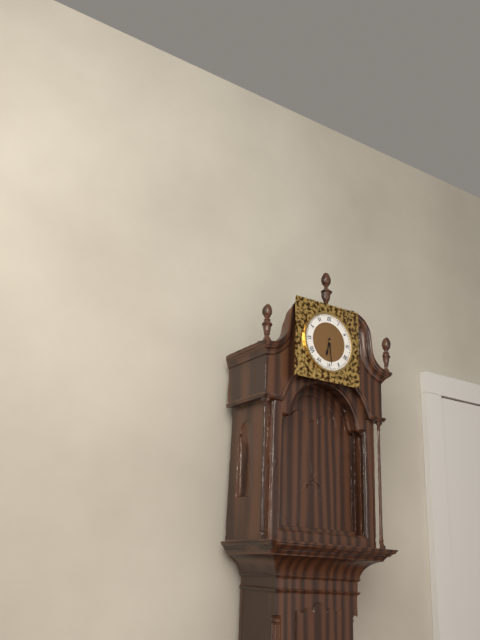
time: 6:29
